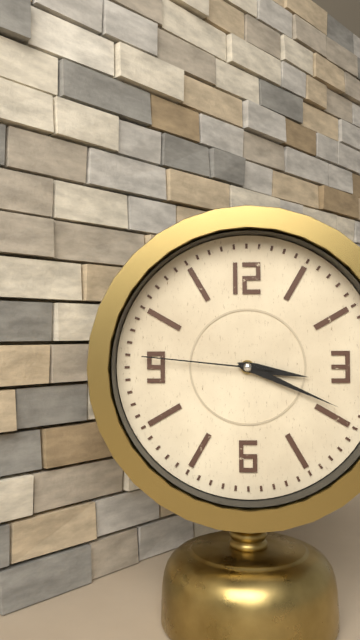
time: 3:19:46
